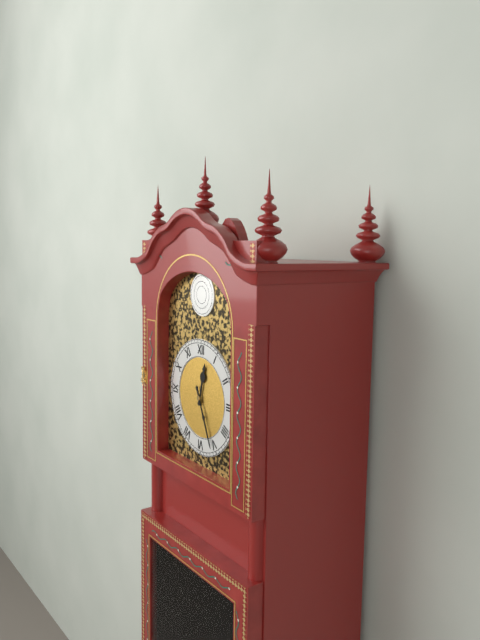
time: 12:26
